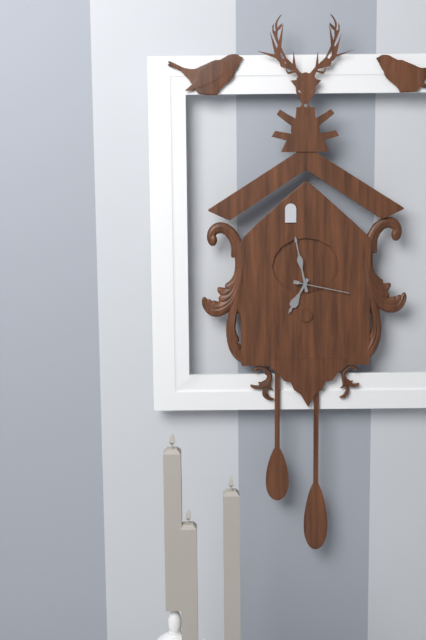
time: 6:58:17
